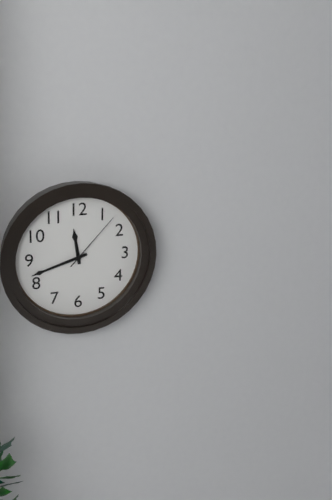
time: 11:42:07
